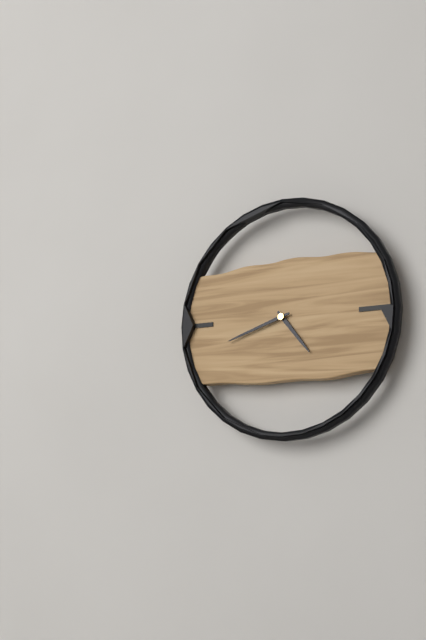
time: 4:42
